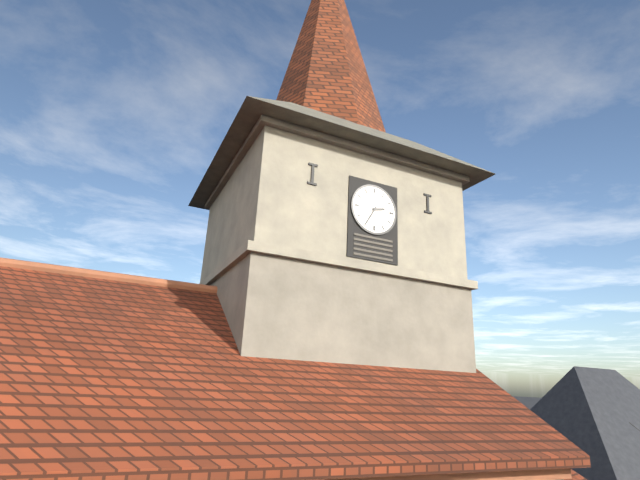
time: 2:35
